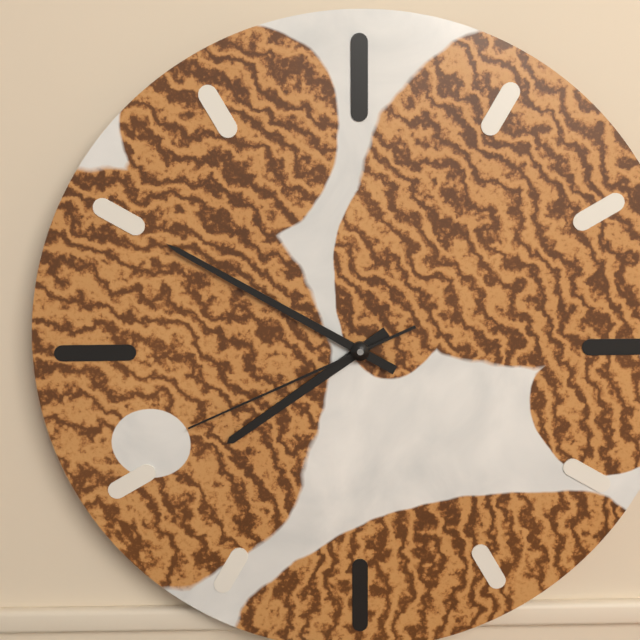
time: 7:50:41
